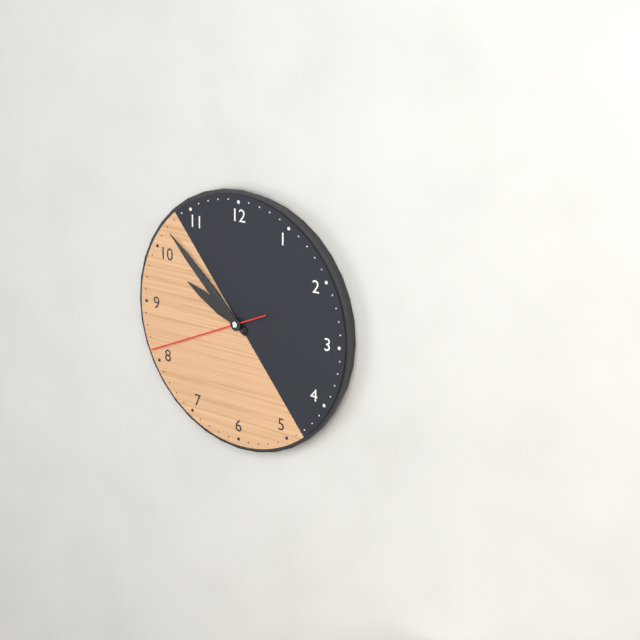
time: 9:52:41
